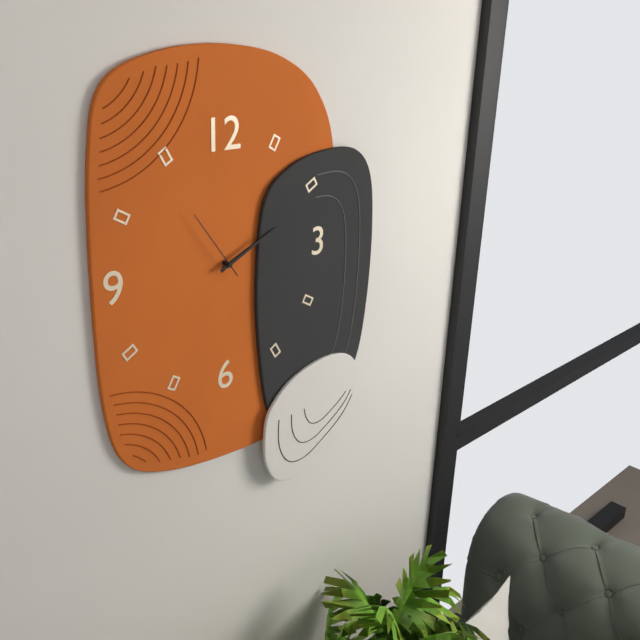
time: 2:11:54
